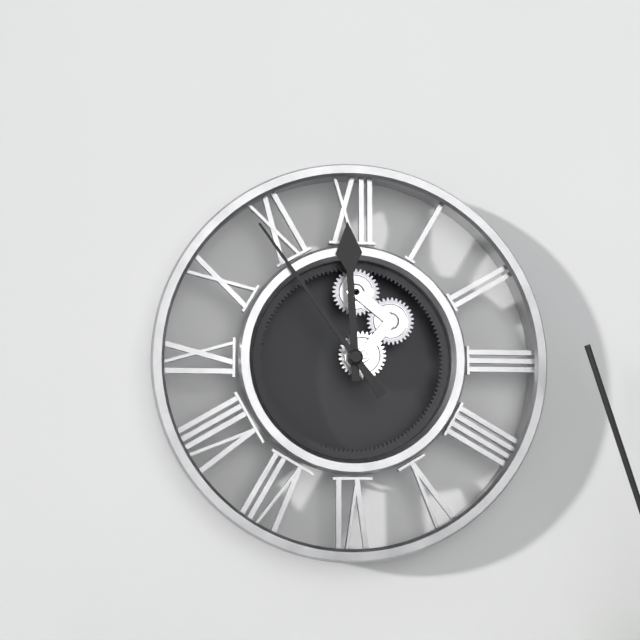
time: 11:54
